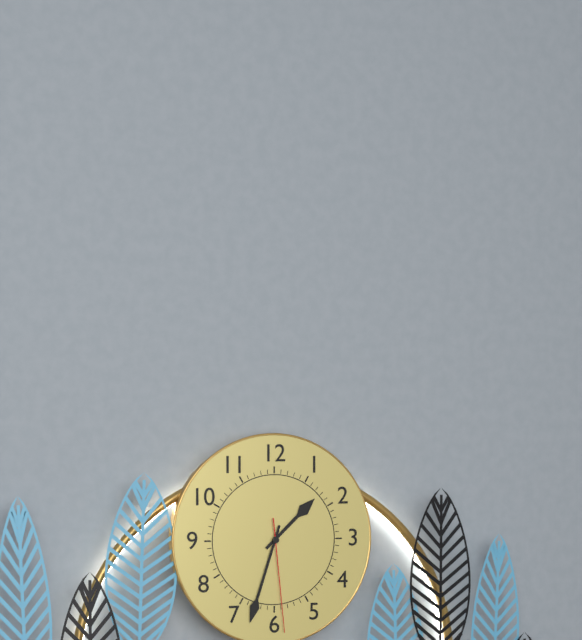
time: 1:33:29
